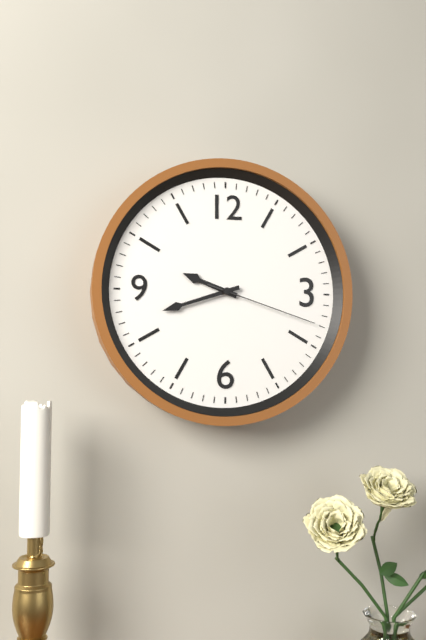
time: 9:42:18
